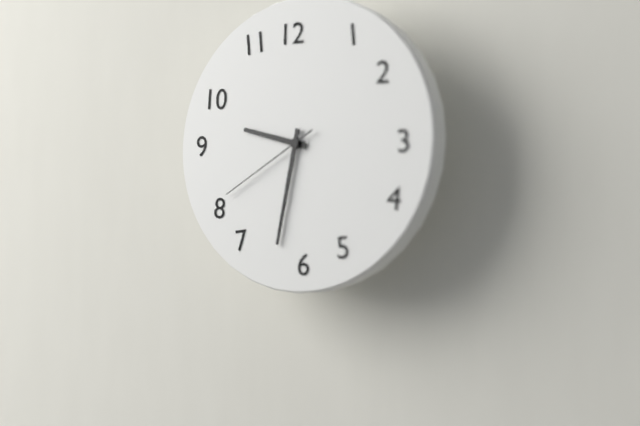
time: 9:32:40
